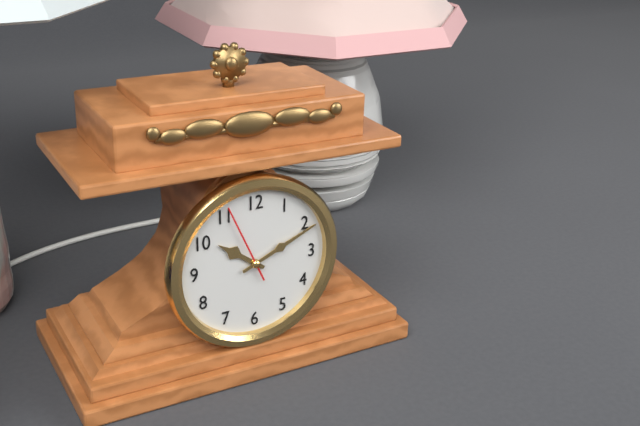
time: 10:11:56
